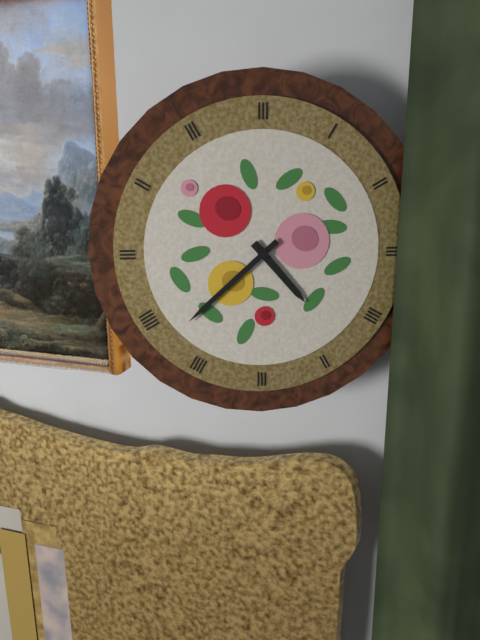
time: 4:38
